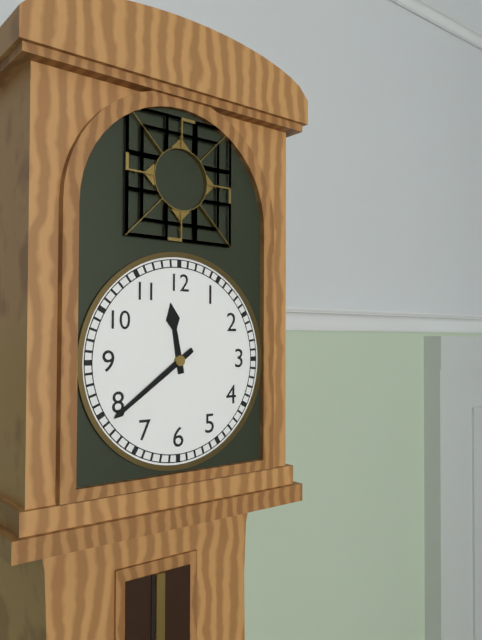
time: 11:39
